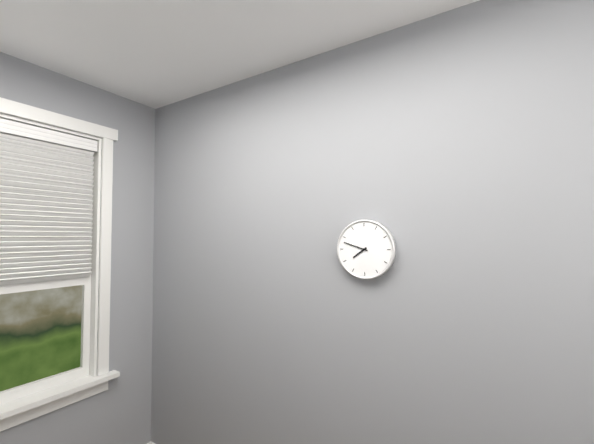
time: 7:48
